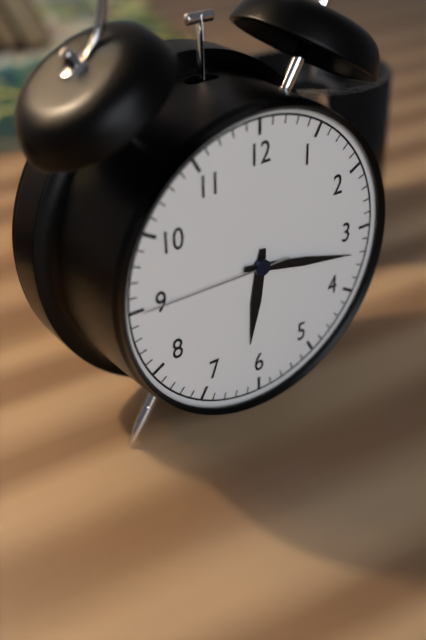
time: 6:17:45
